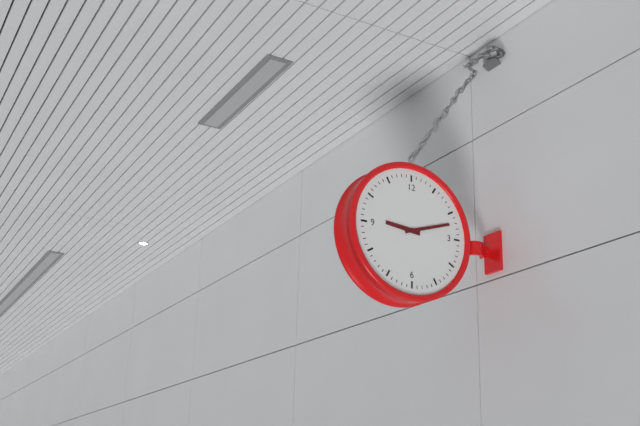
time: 9:12
